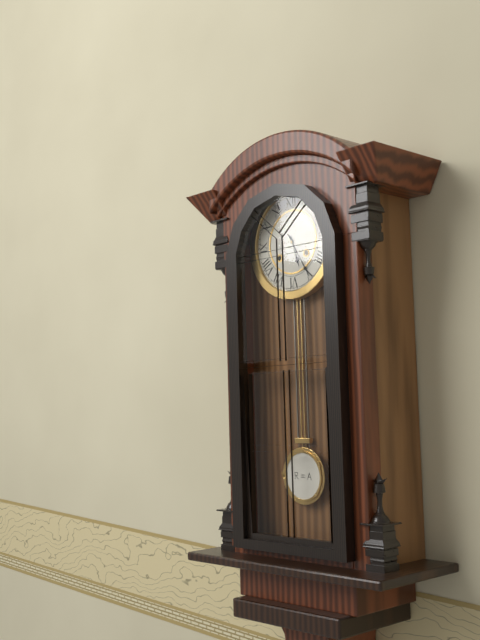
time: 5:25
